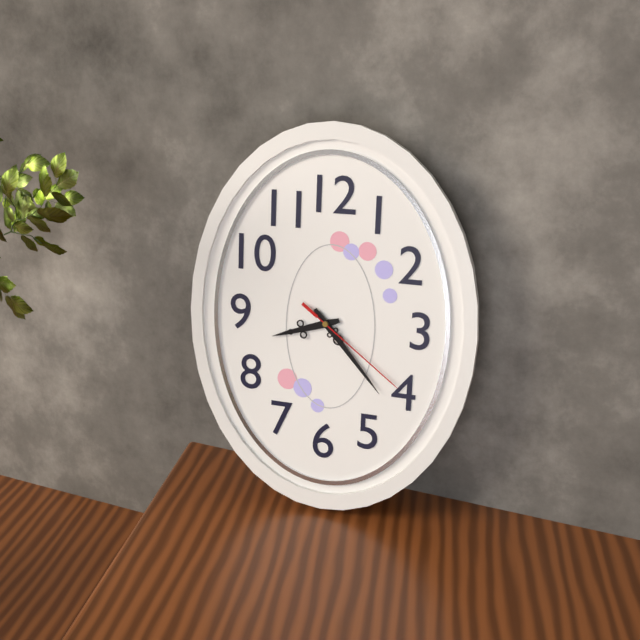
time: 8:23:21
